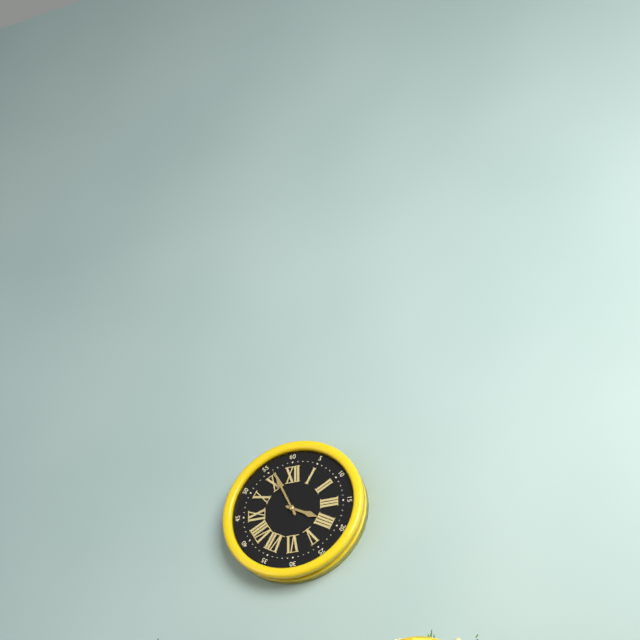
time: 3:56
